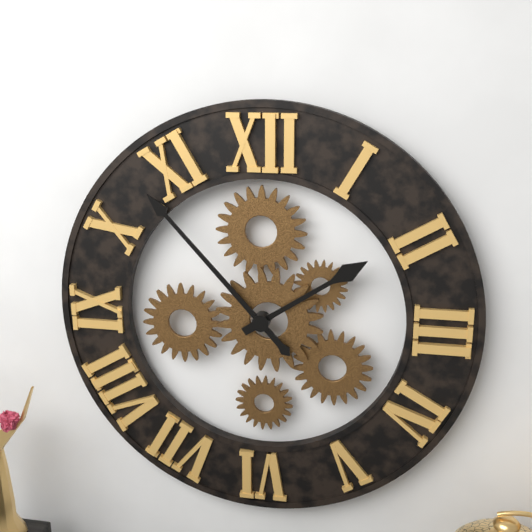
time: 1:53
